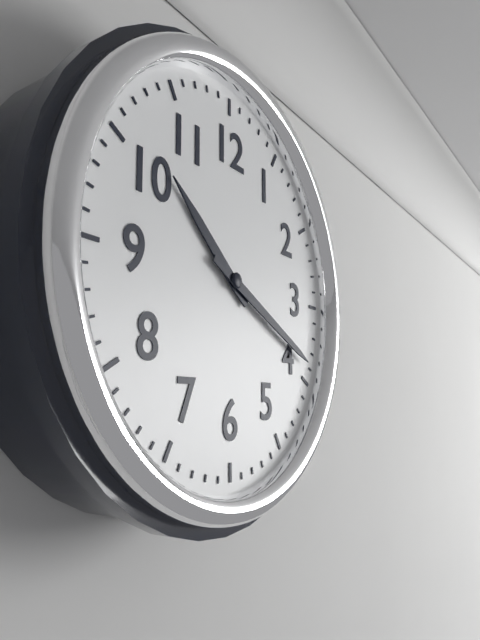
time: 10:19
